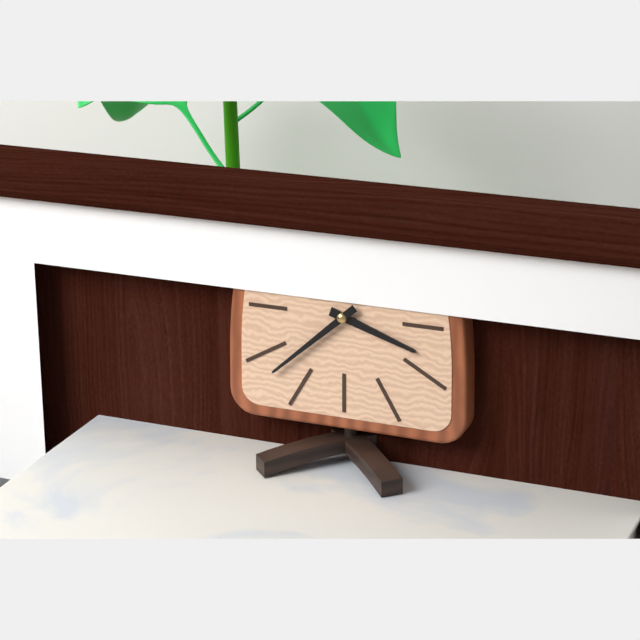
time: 3:38
